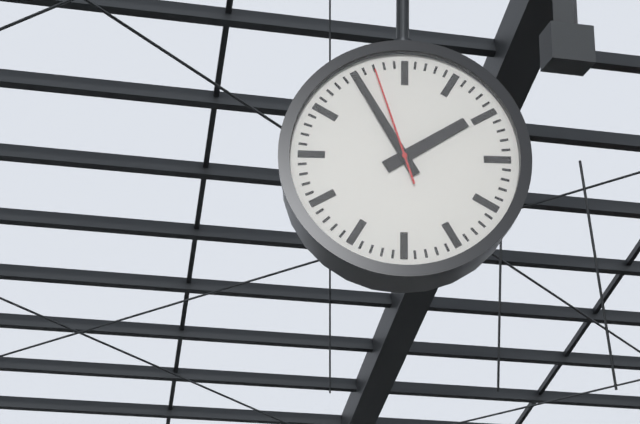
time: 1:55:57
